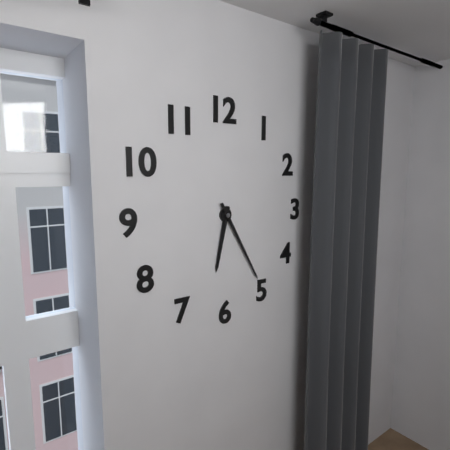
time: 6:25
